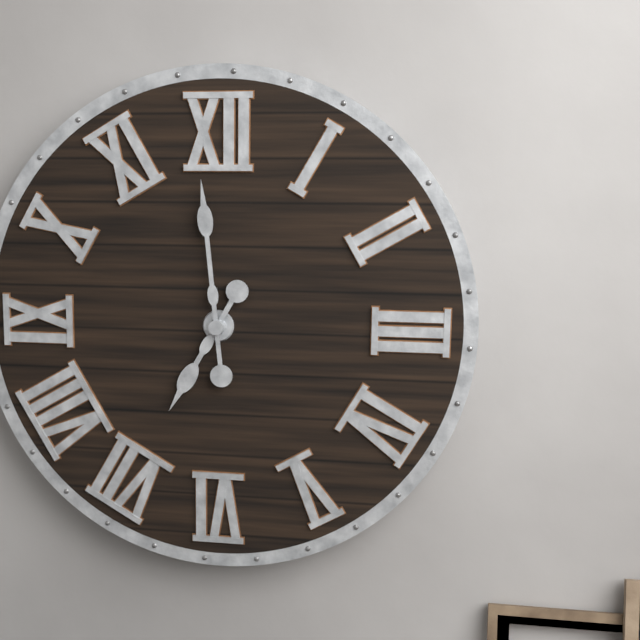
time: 6:59
